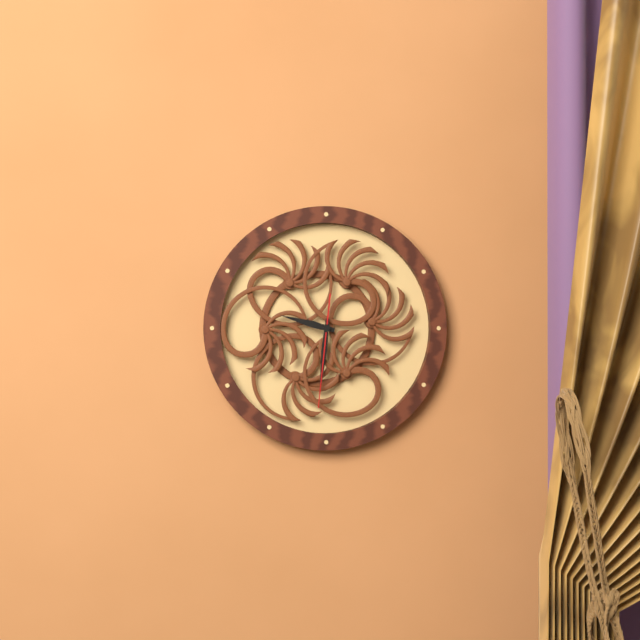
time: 9:31:31
